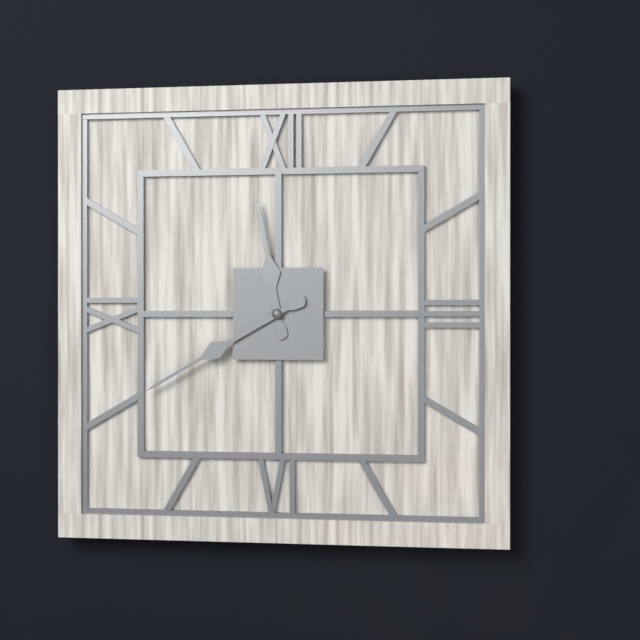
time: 11:40
